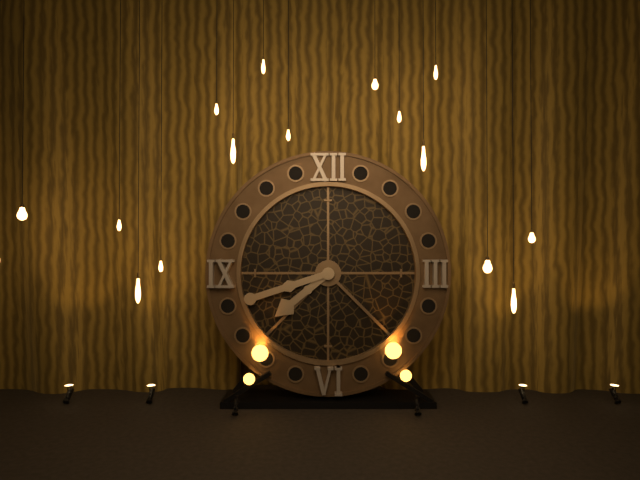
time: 7:42
